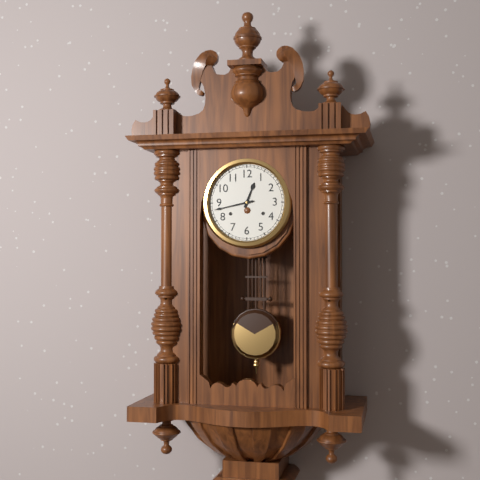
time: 12:43
